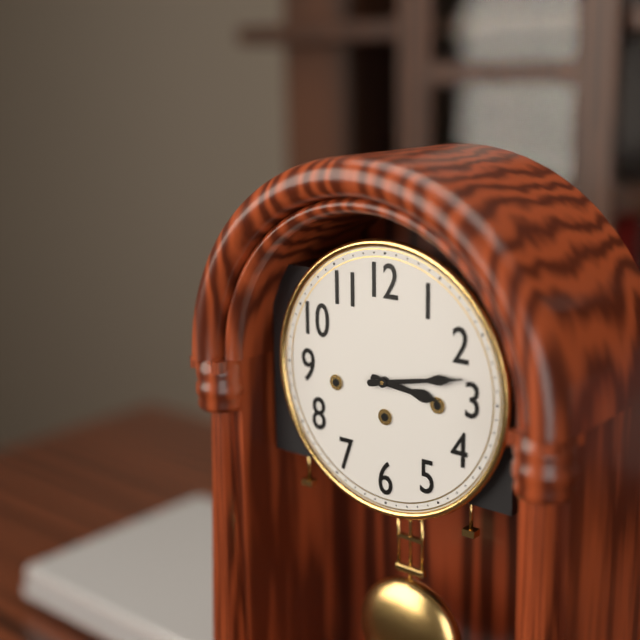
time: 3:13
